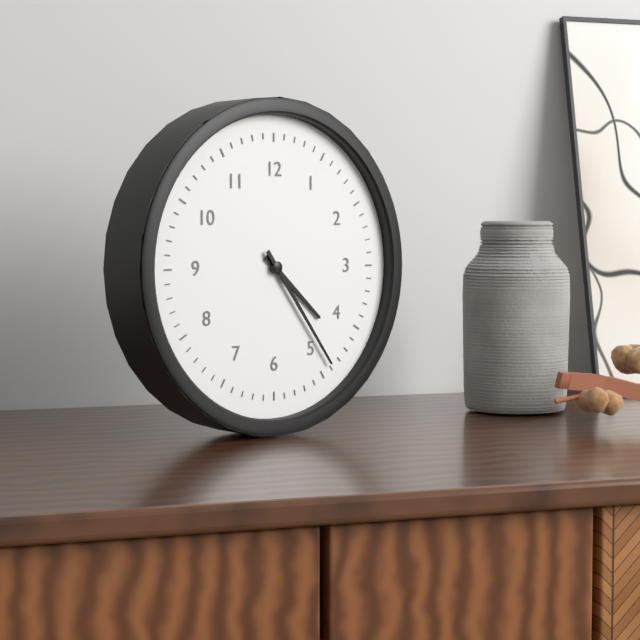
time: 4:24
